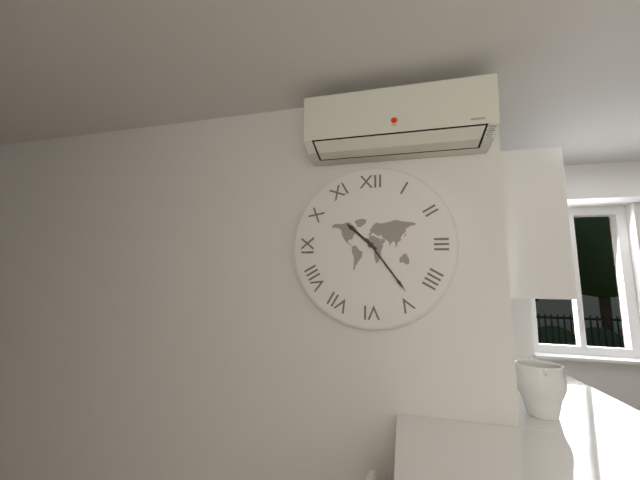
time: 10:24
